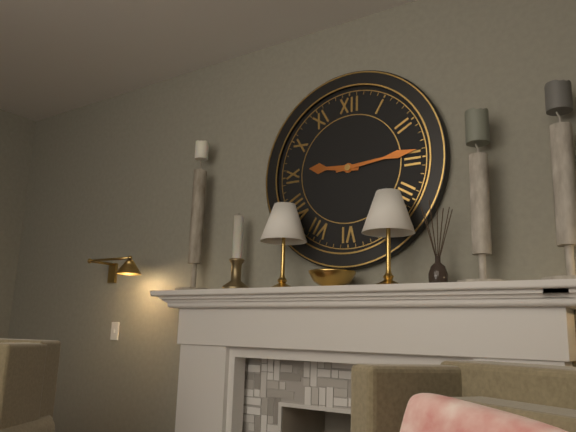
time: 9:14
